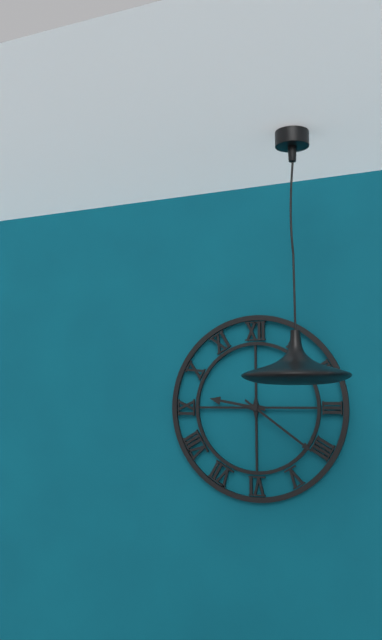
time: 9:21
